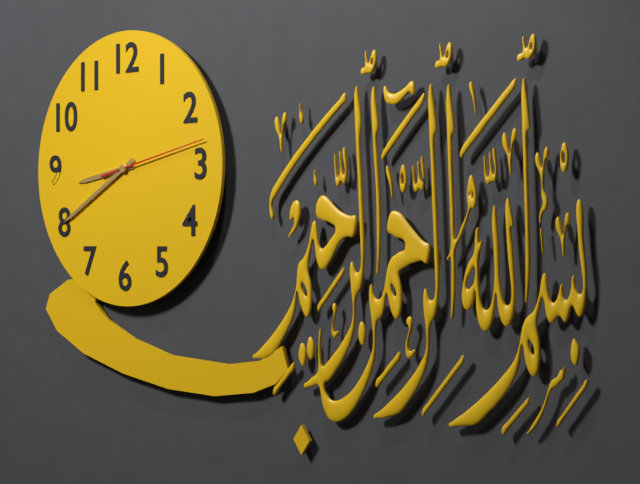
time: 8:40:13
